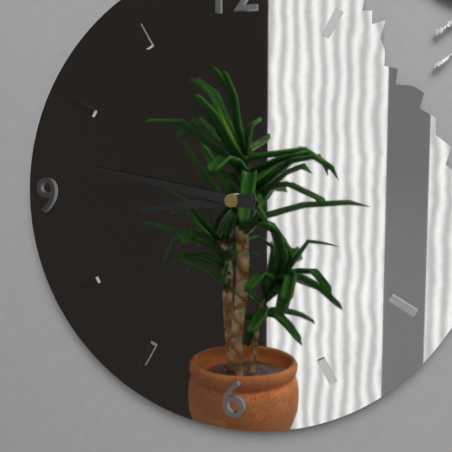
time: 8:47
